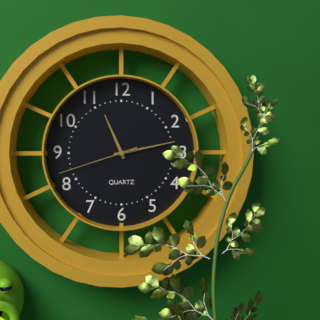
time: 11:13:42
